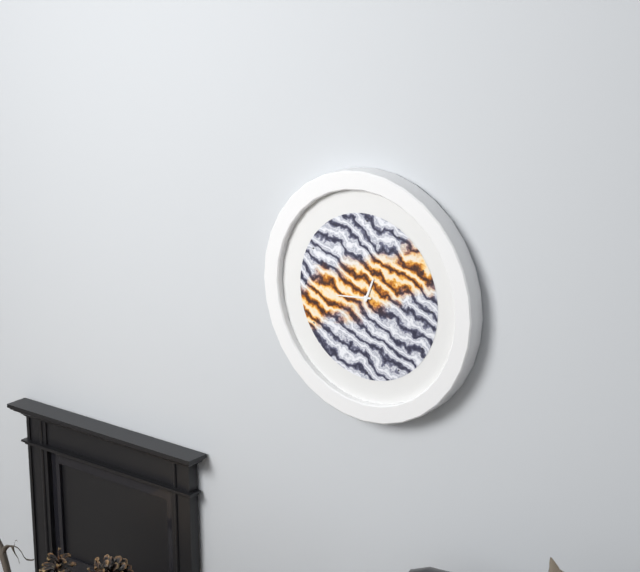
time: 12:44
